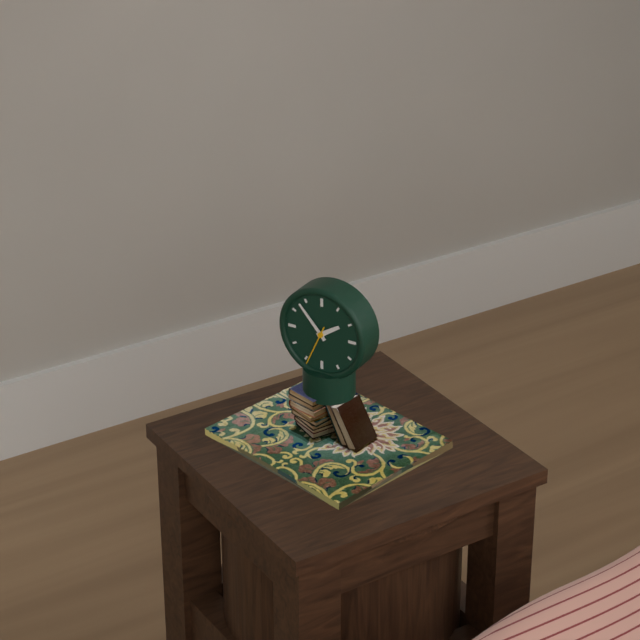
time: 1:53:34
